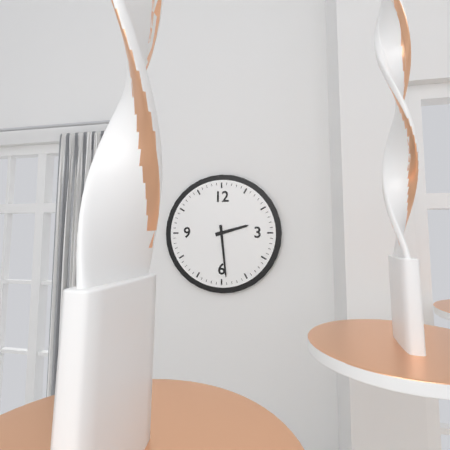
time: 2:29
